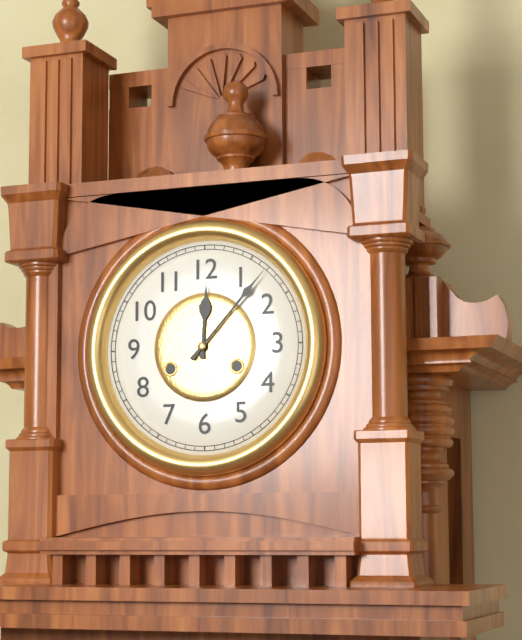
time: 12:07
